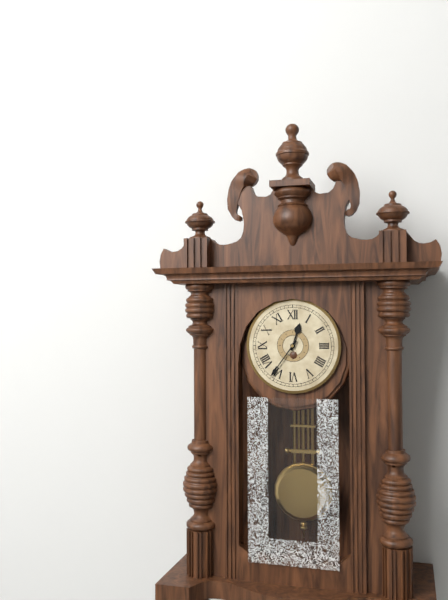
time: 12:36
